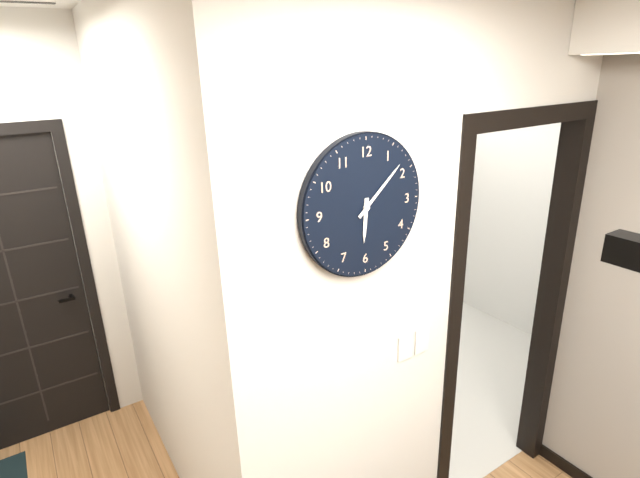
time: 6:08
